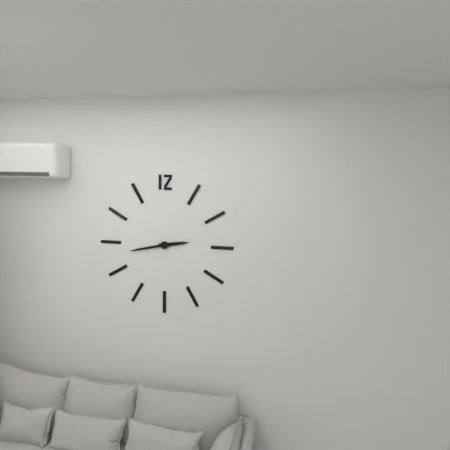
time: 2:43
